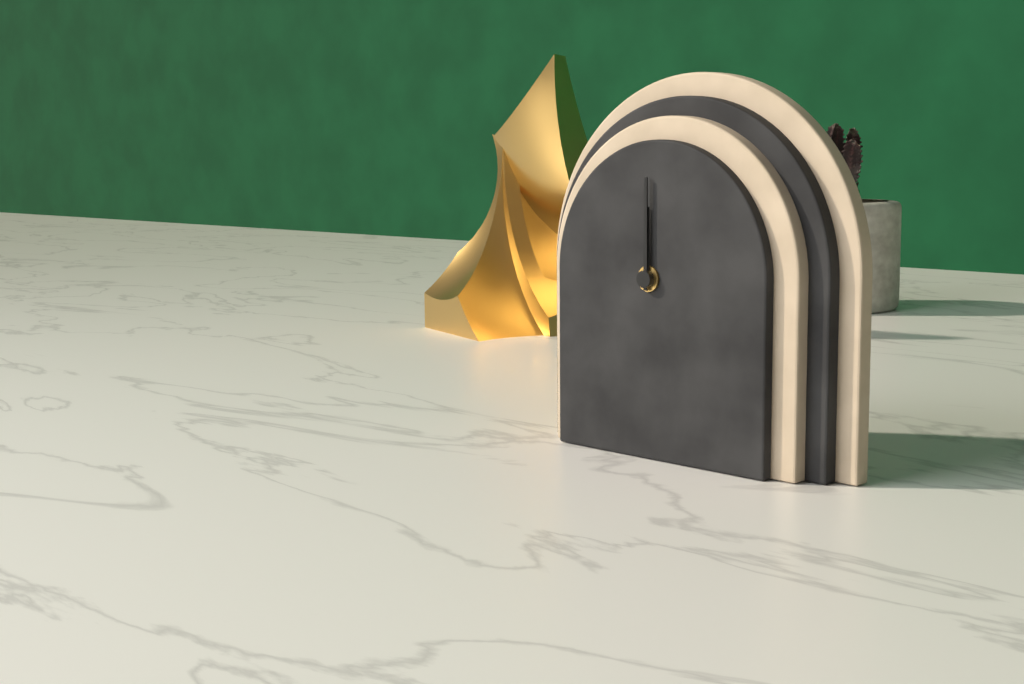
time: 12:00
